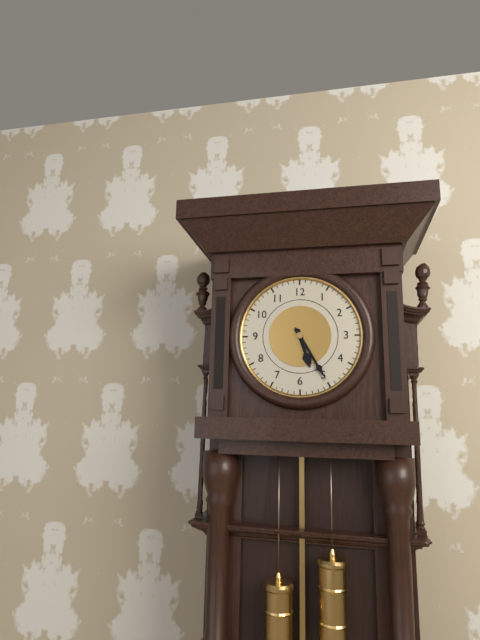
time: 5:25
